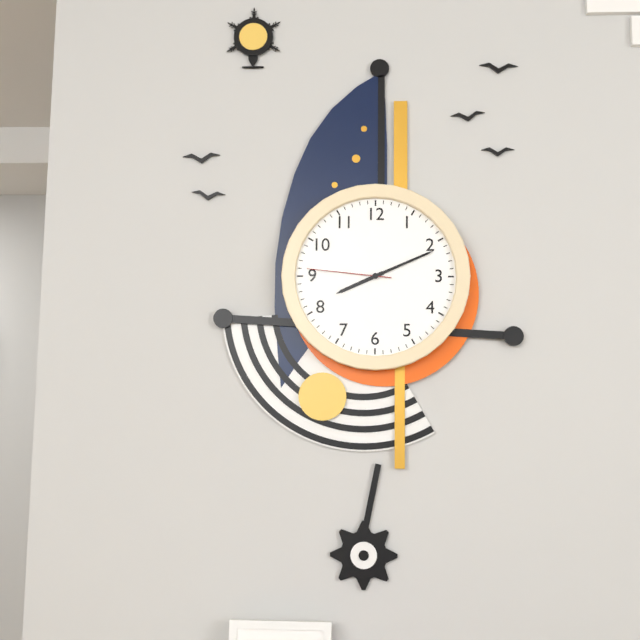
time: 8:11:46
